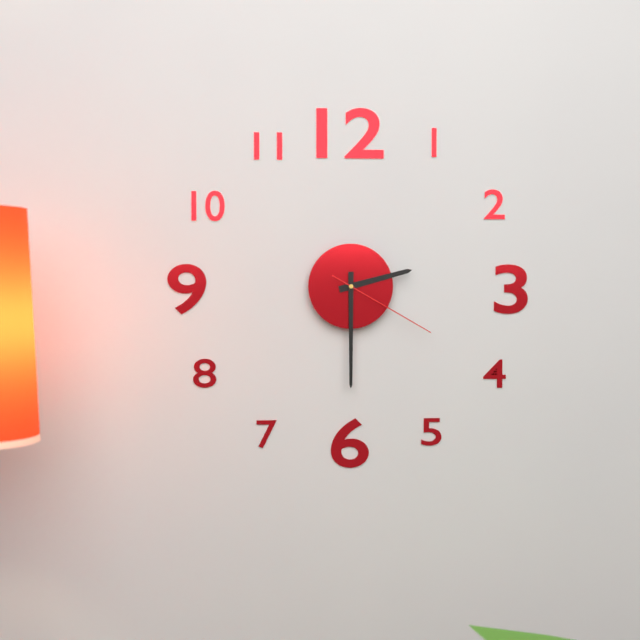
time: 2:30:20
